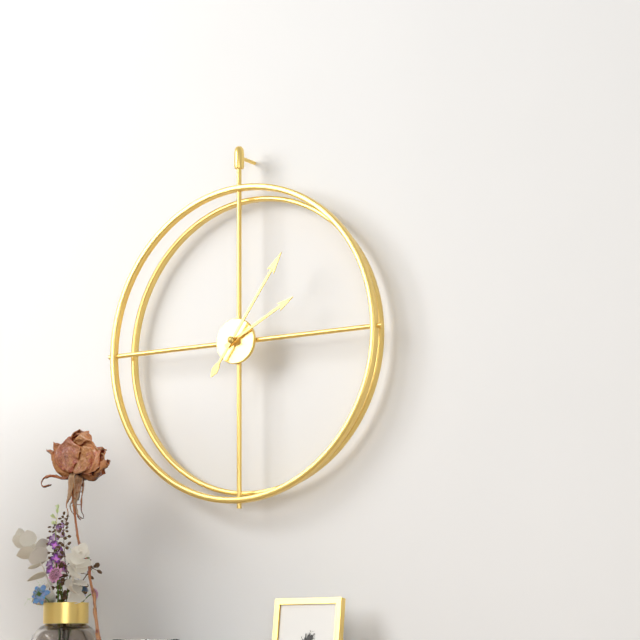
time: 2:06
